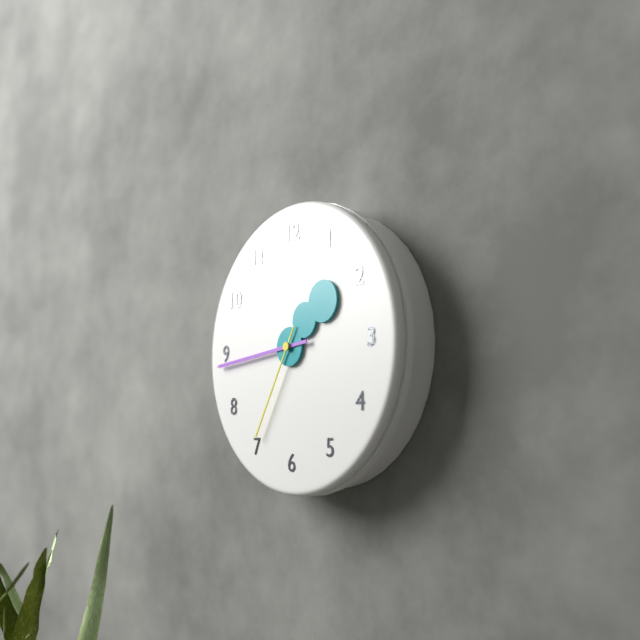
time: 1:44:35
